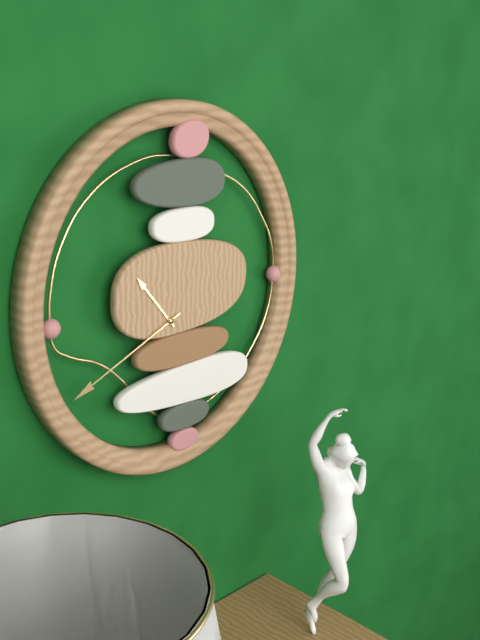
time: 10:41
